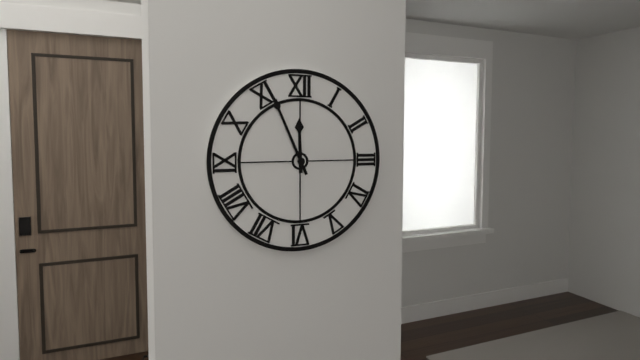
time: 11:56
